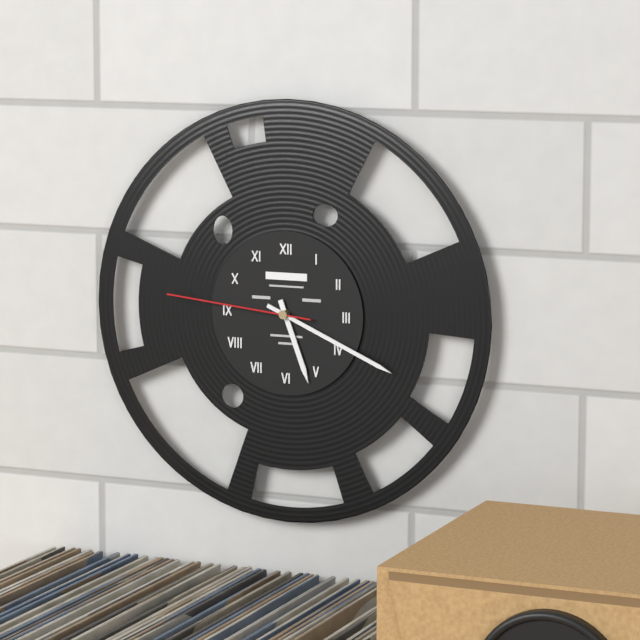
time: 5:19:46
